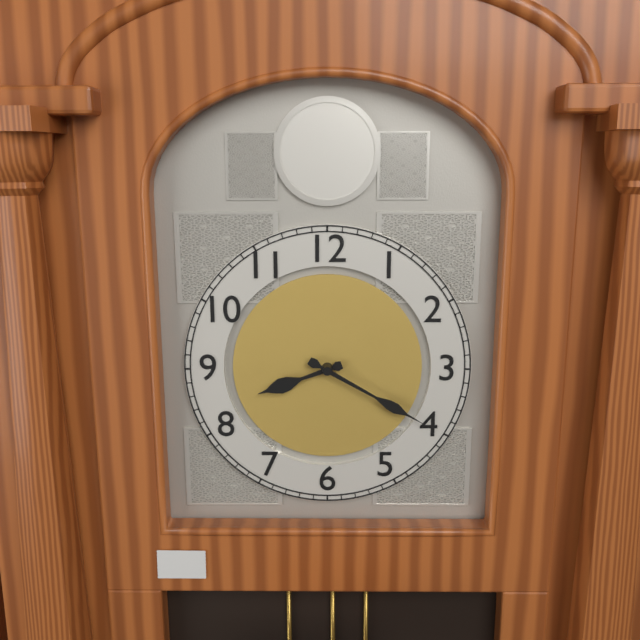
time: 8:20
